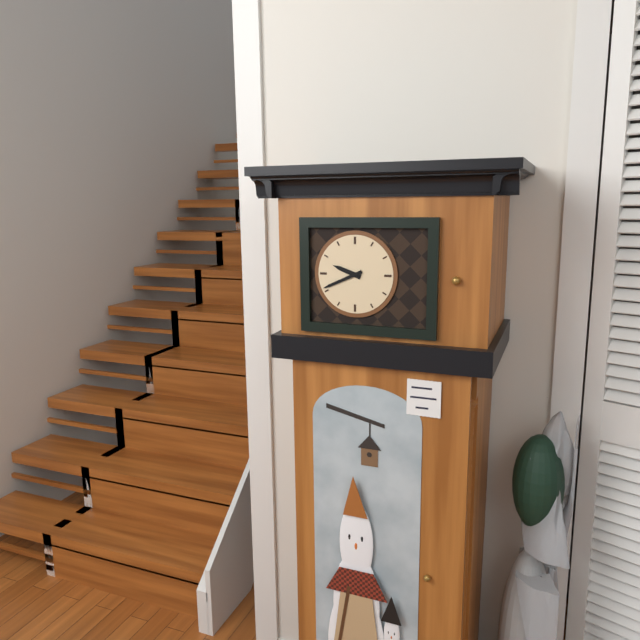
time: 9:41
